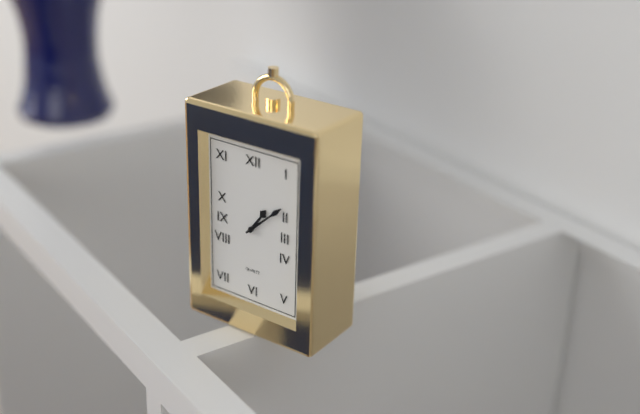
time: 1:08
